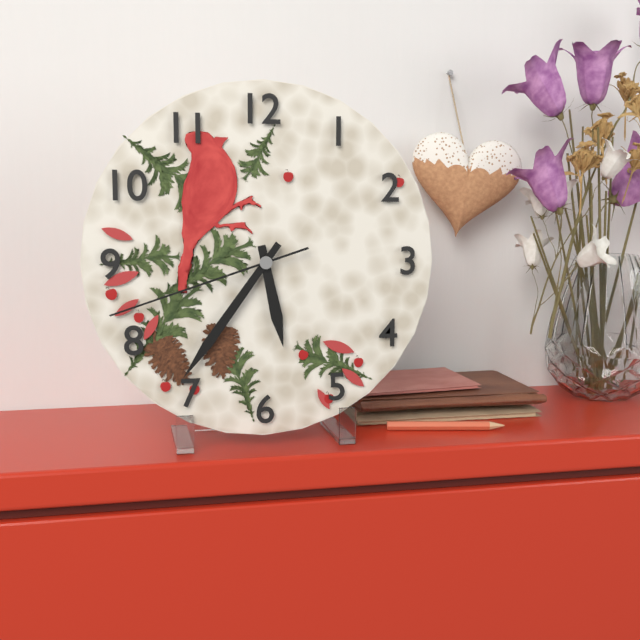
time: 5:36:42
